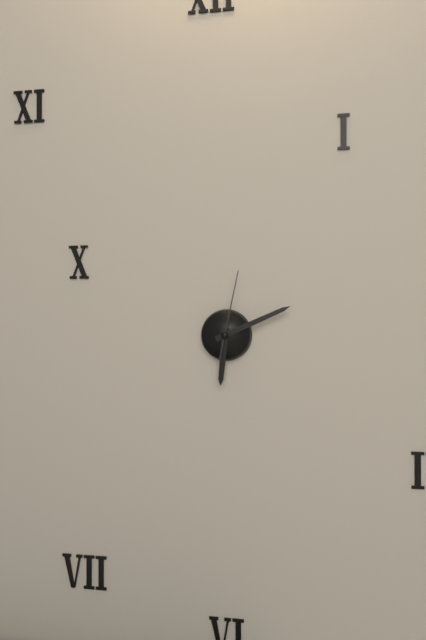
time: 6:11:02
